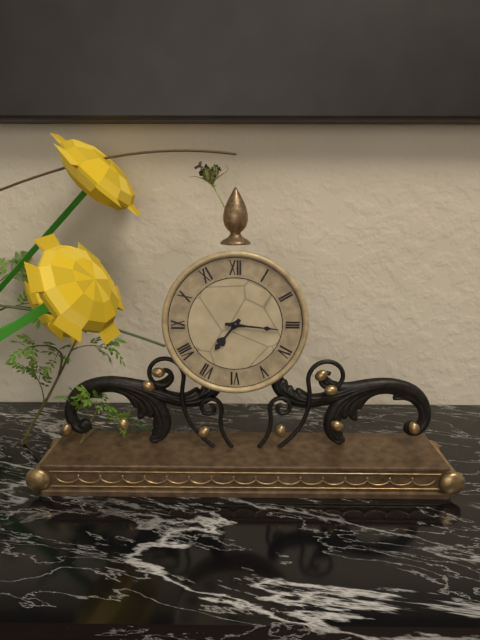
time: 7:16
